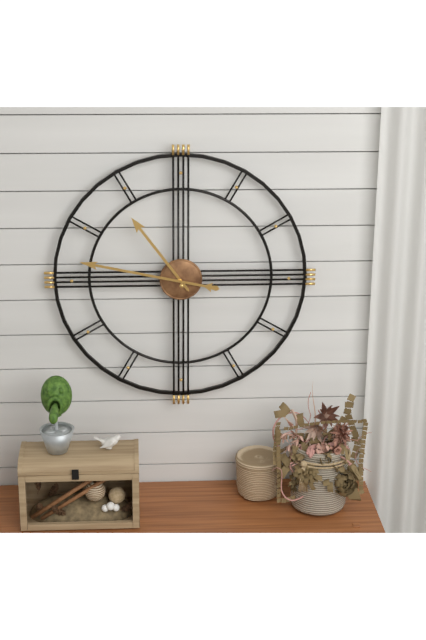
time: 10:47
